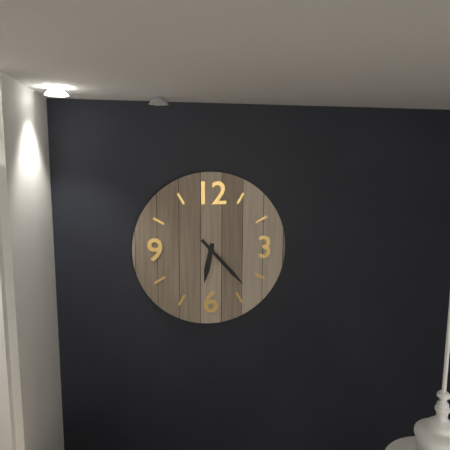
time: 6:23
